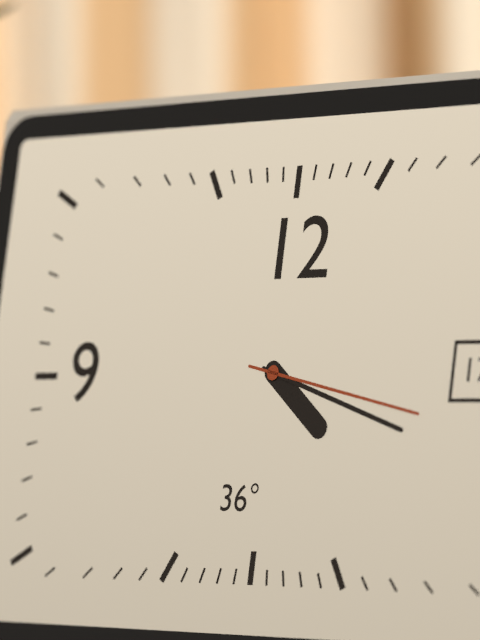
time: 4:18:17
